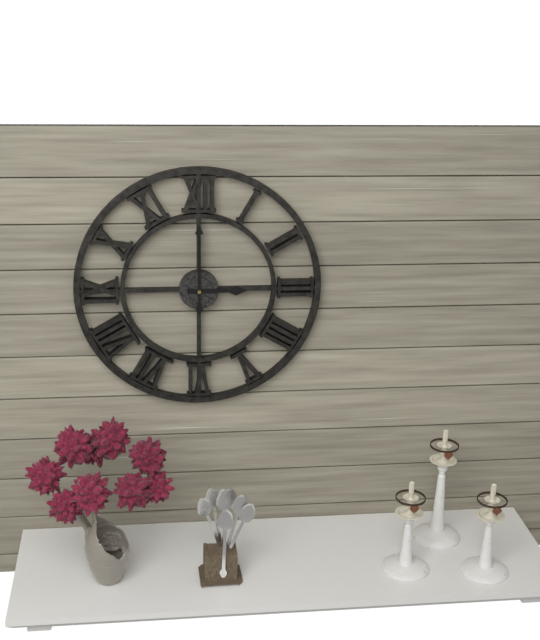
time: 3:00
